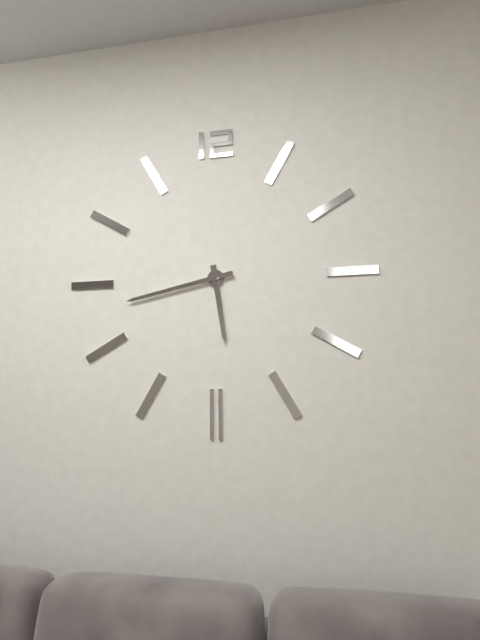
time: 5:43
